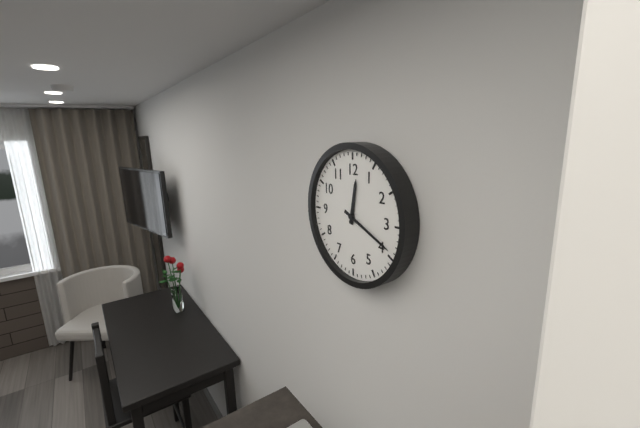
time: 12:19
